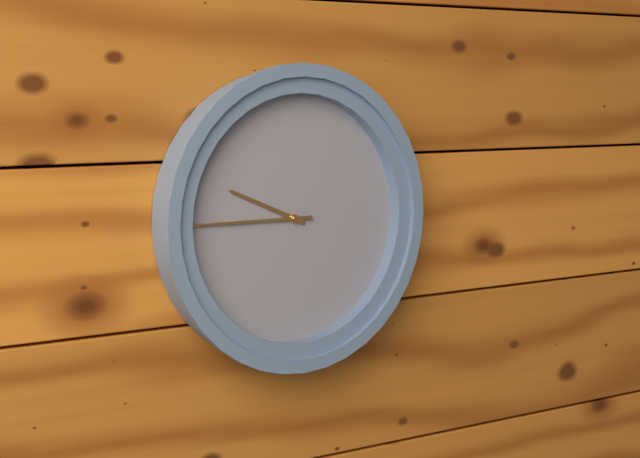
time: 9:45
